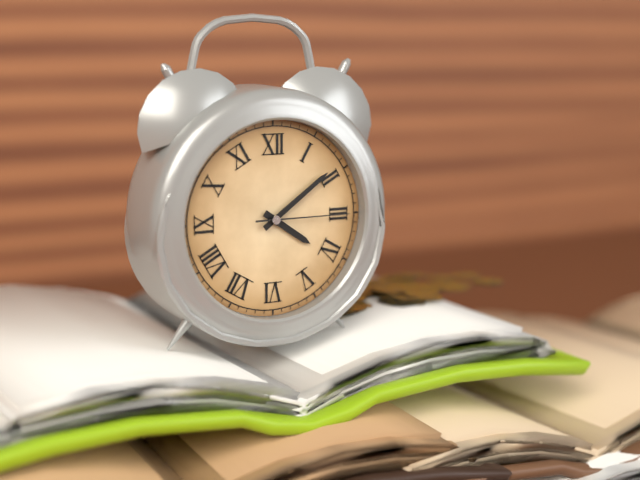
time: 4:09:15
